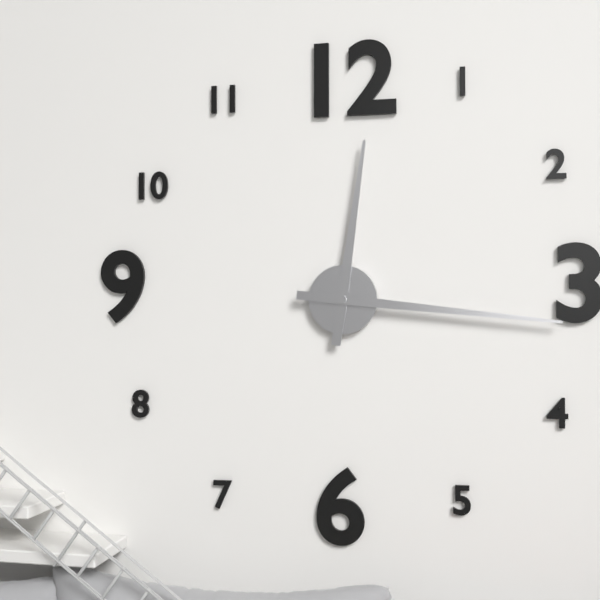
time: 12:16
